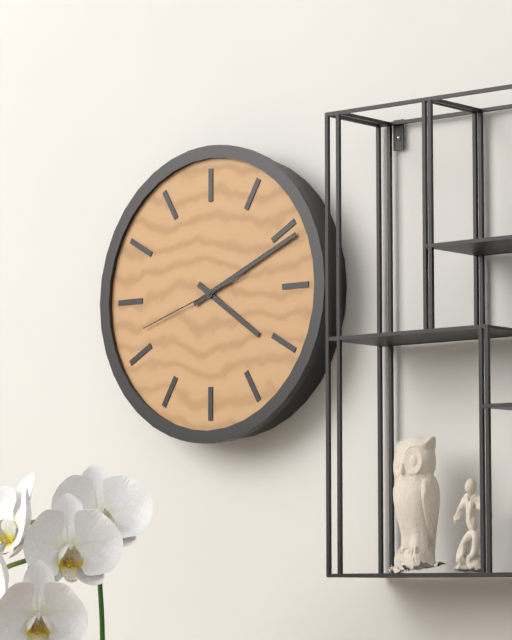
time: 4:11:42
